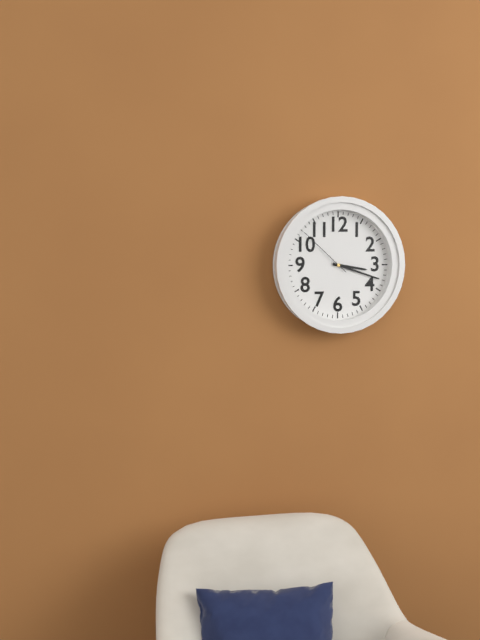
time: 3:18:52
